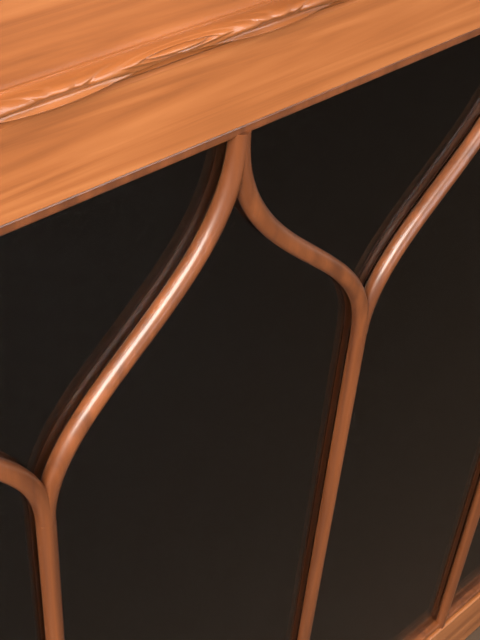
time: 5:43
